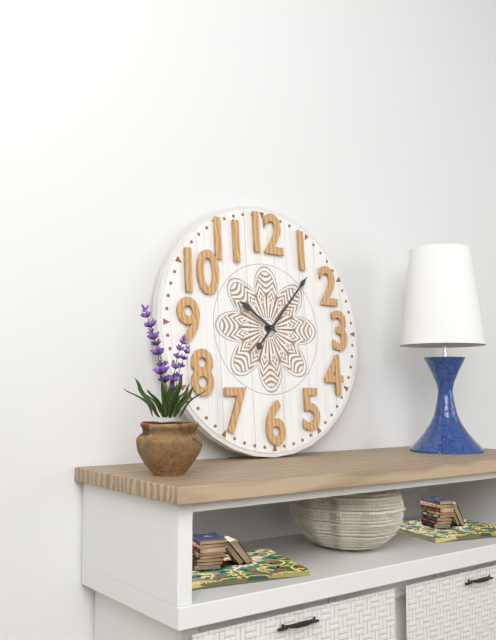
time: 10:07
